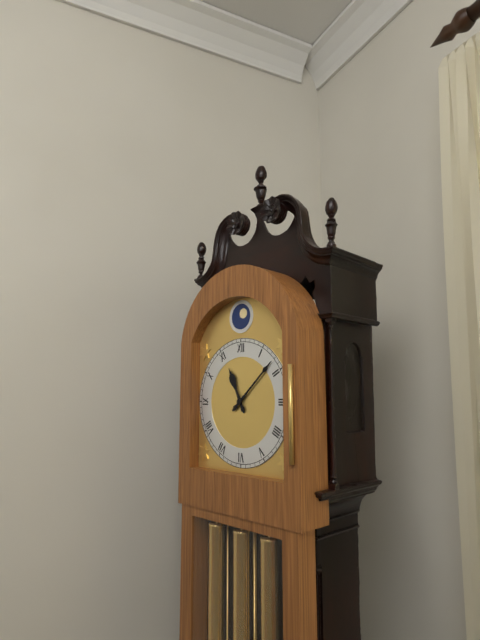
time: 11:08
